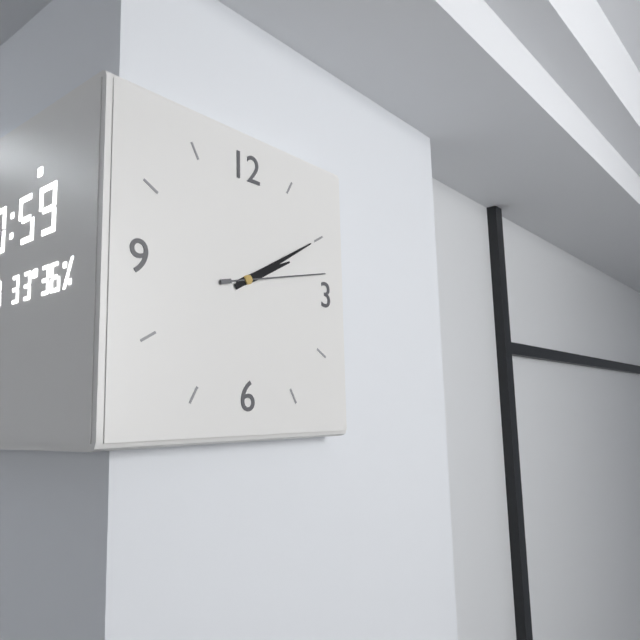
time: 2:10:13
